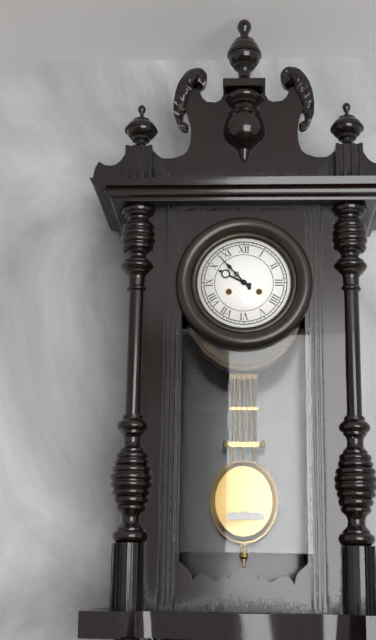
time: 9:53
